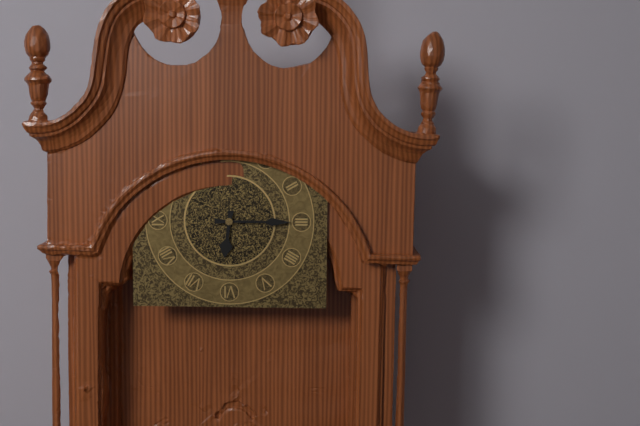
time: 6:15
